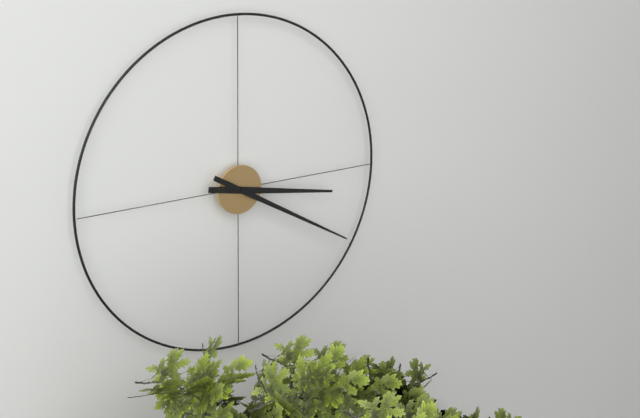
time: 3:20
